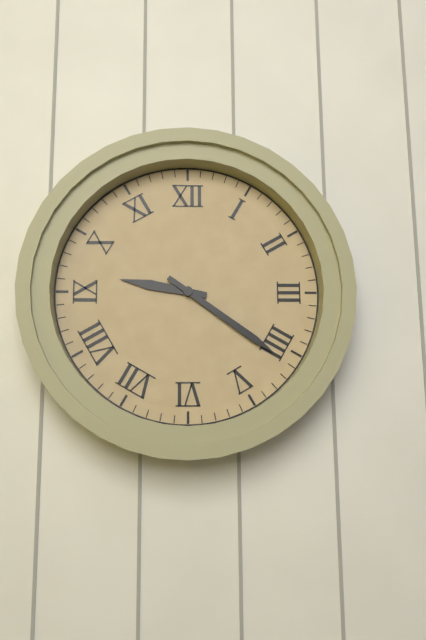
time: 9:21
